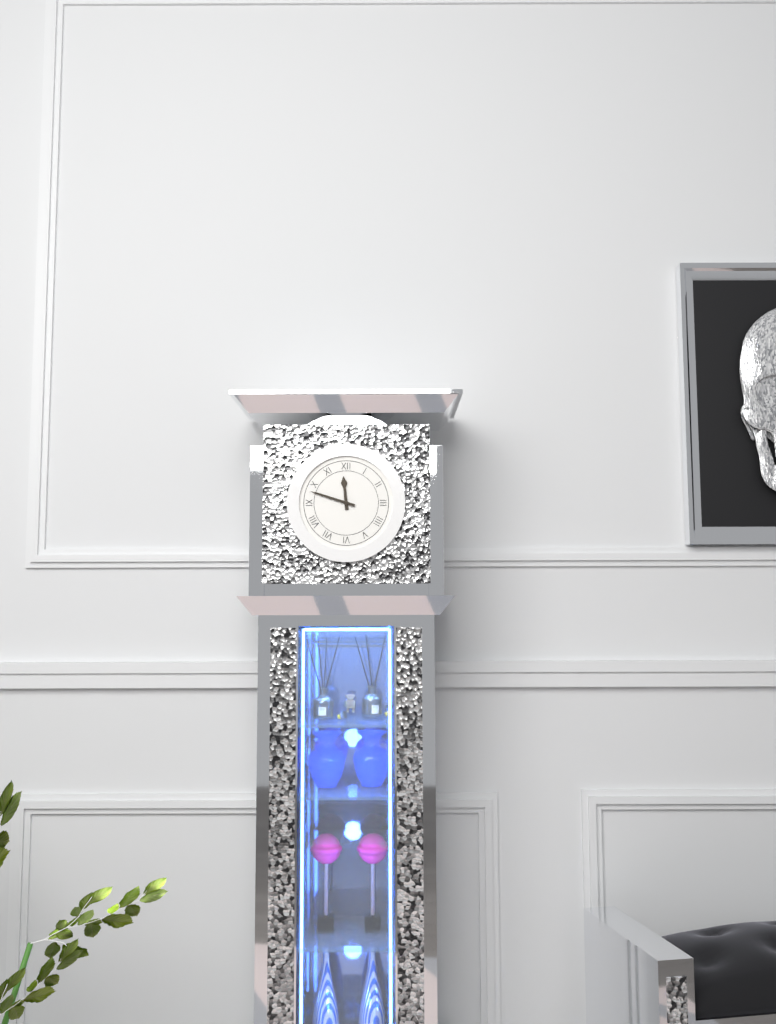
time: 11:48
